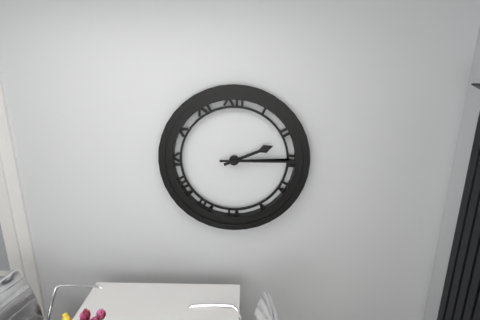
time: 2:15
